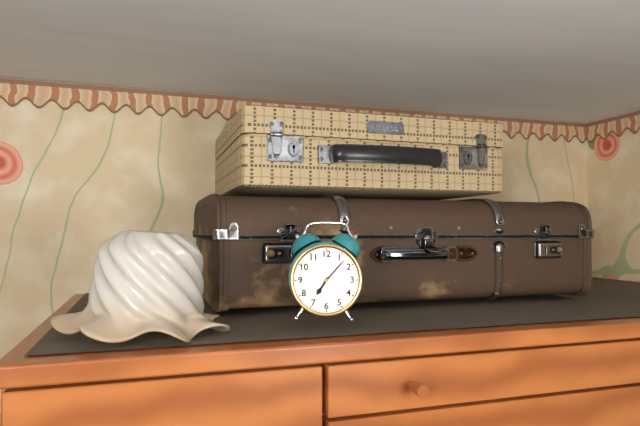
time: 7:07
